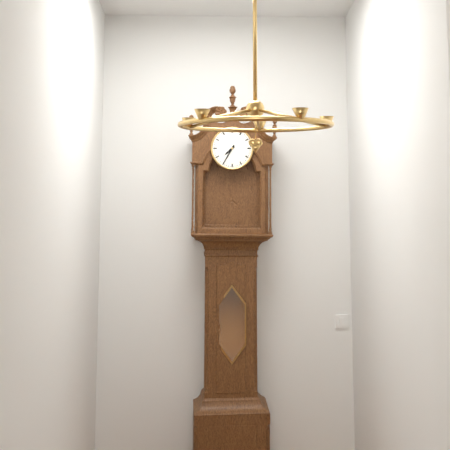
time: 7:35
